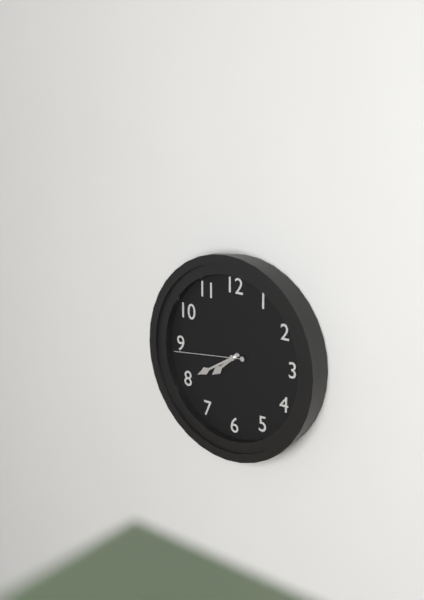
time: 7:40:44
